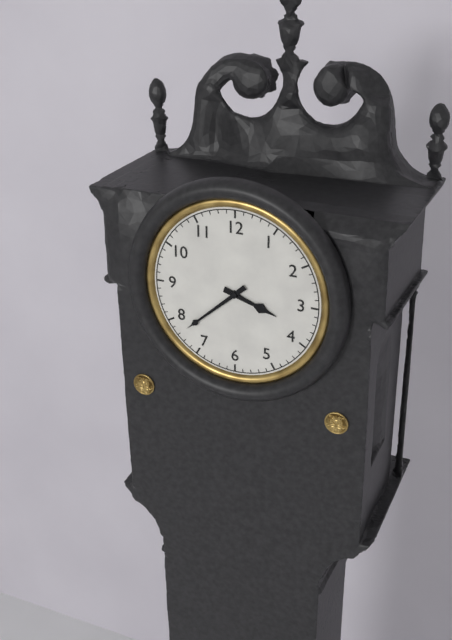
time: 3:38
